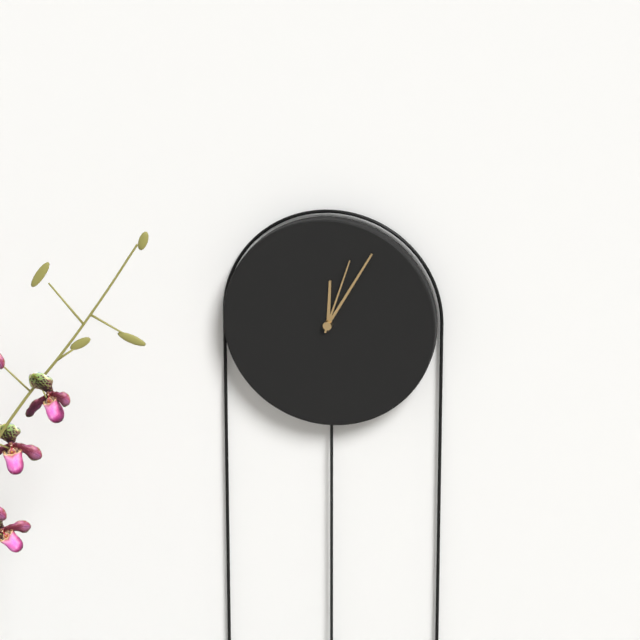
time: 12:05:03
